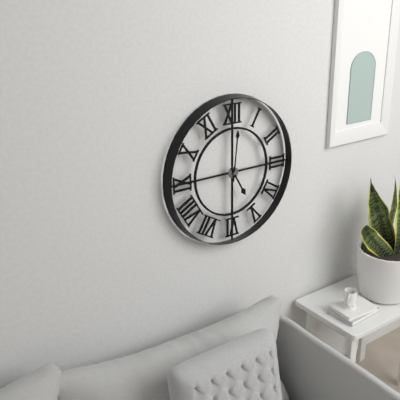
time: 5:01
